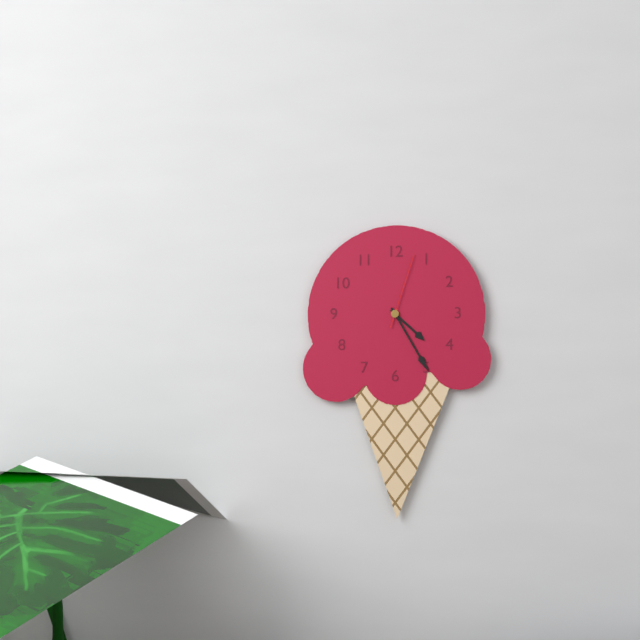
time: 4:25:03
